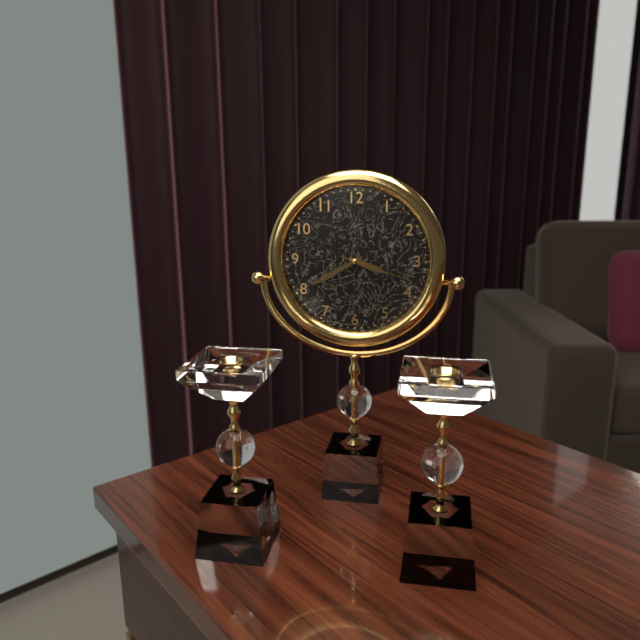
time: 3:40:18
